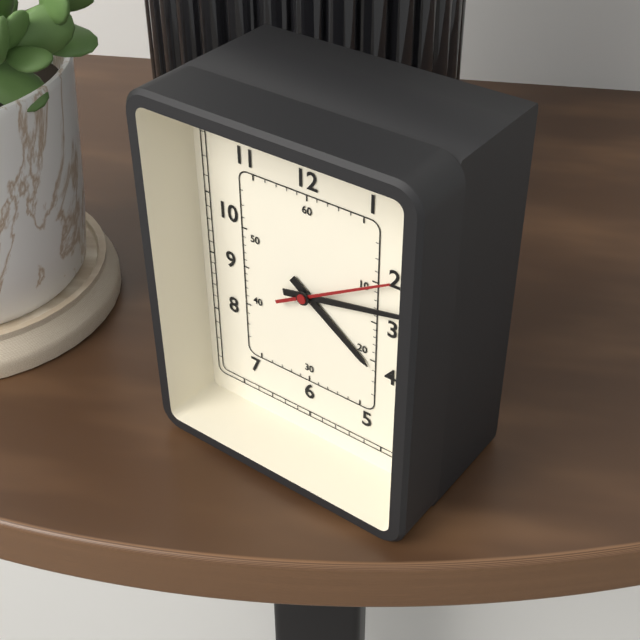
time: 4:13:10
